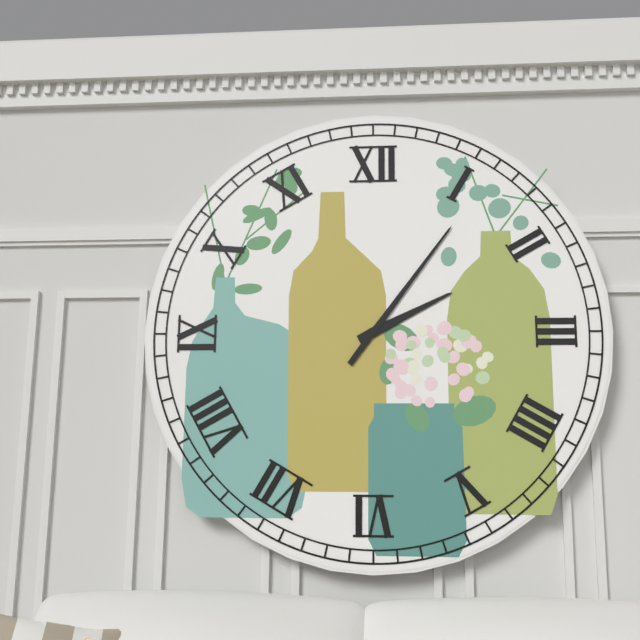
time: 2:06
